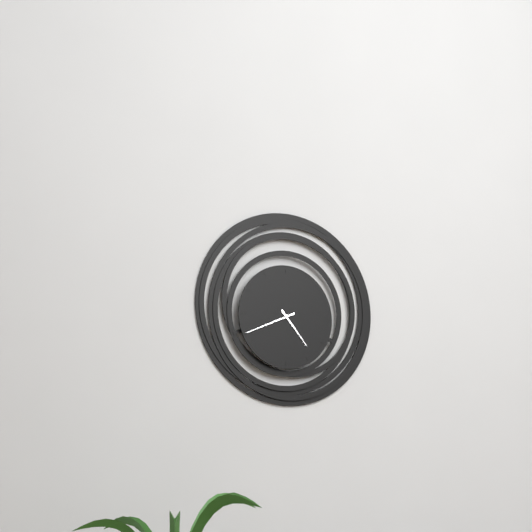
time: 4:41
